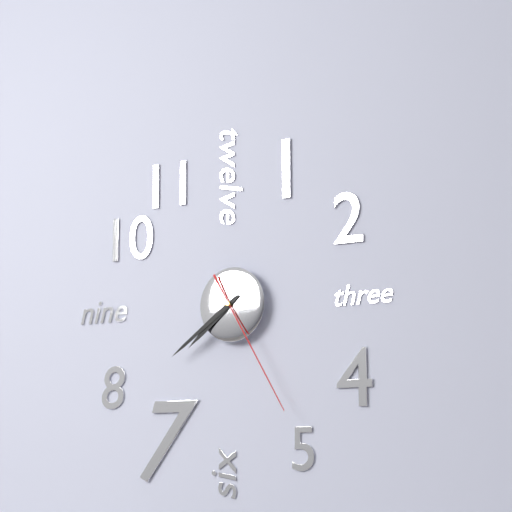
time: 7:39:25
